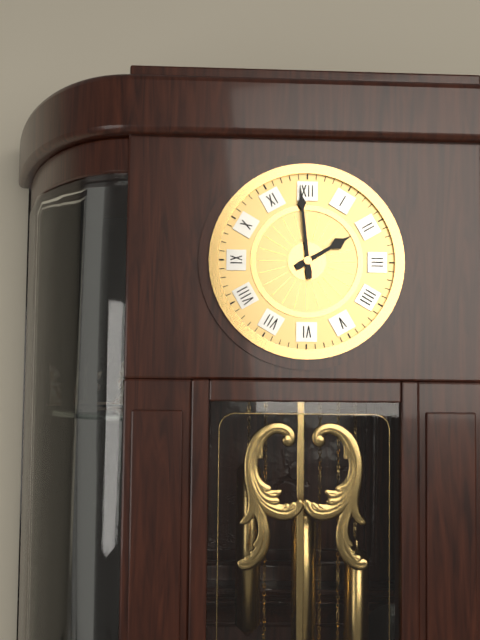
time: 1:59
